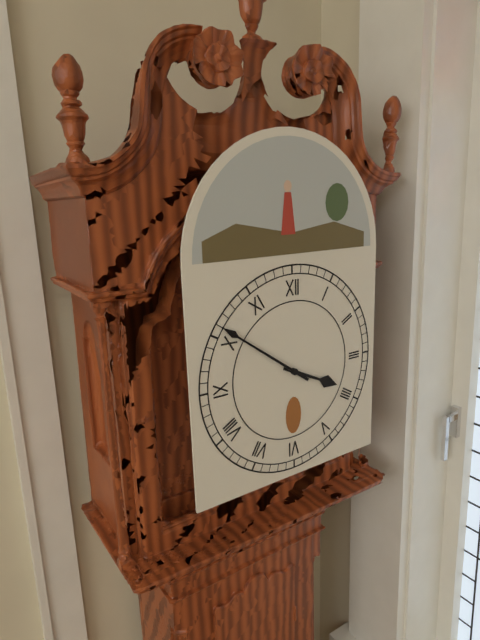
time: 3:51
